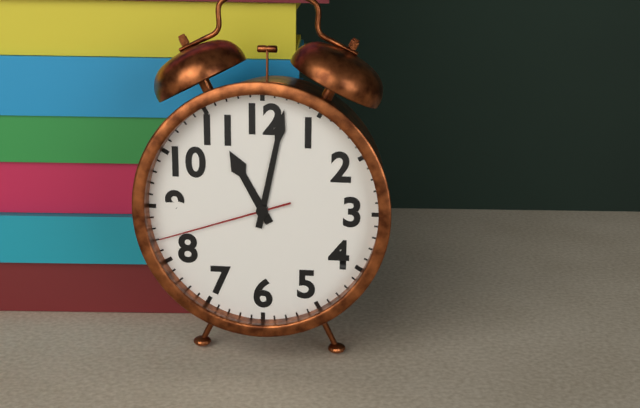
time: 11:02:42
